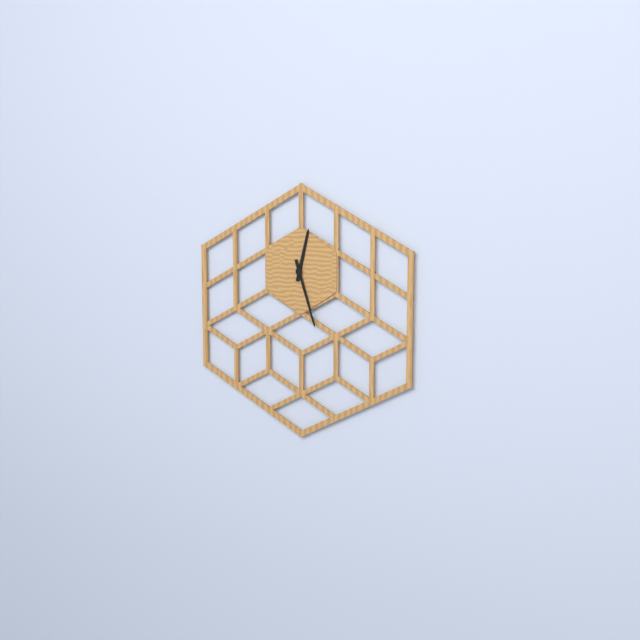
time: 12:27
